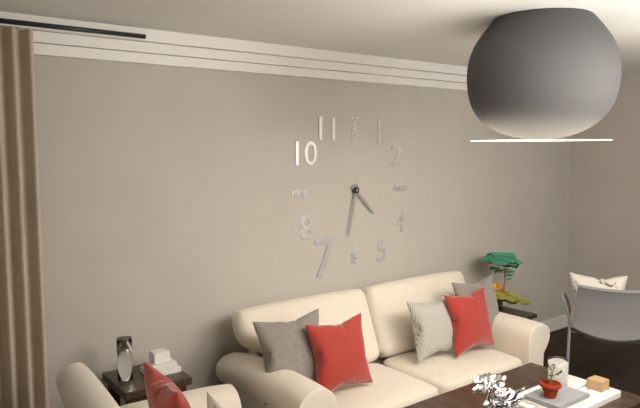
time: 4:32
